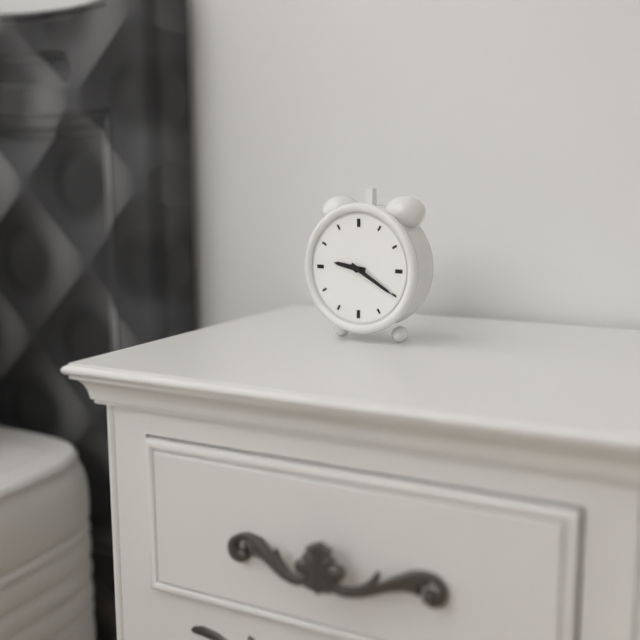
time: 9:20
